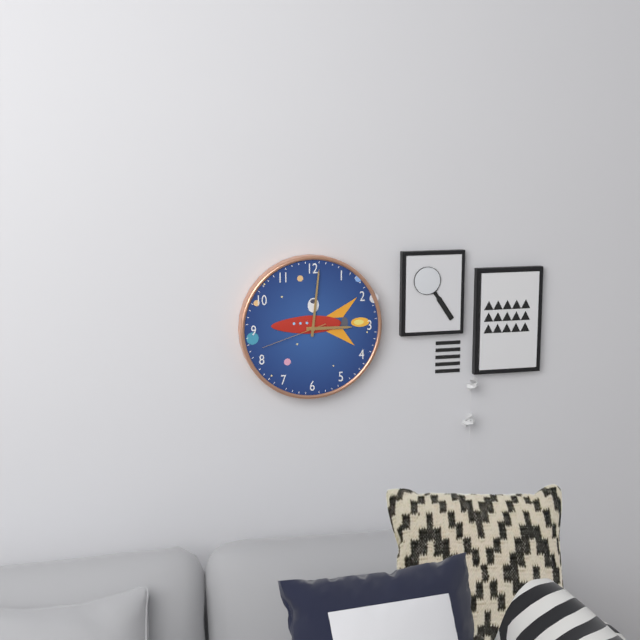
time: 3:01:42
